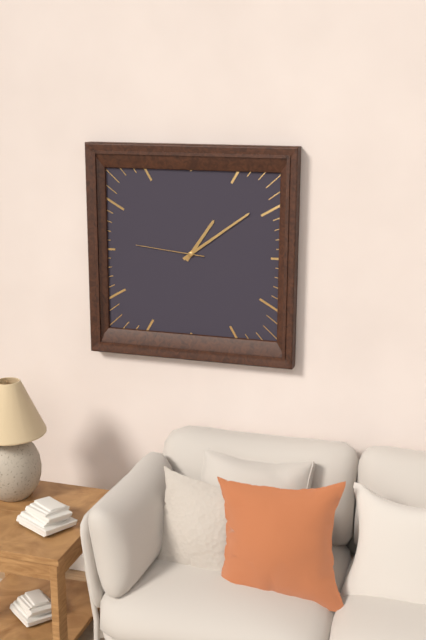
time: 1:09:46
